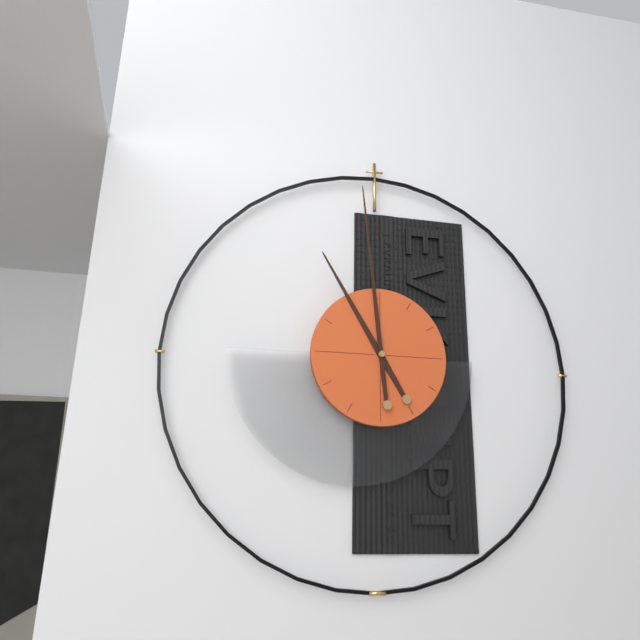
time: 10:59
